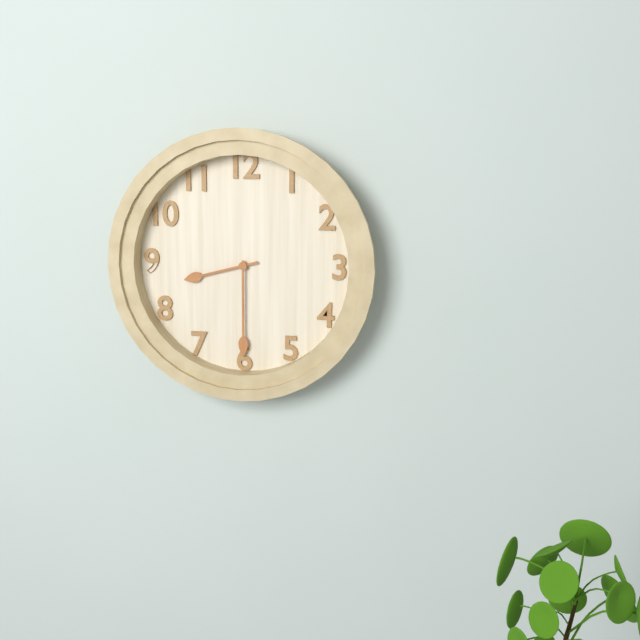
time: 8:30
